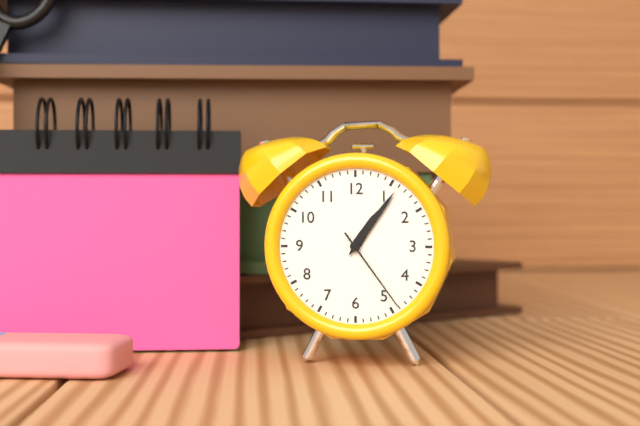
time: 1:06:24
